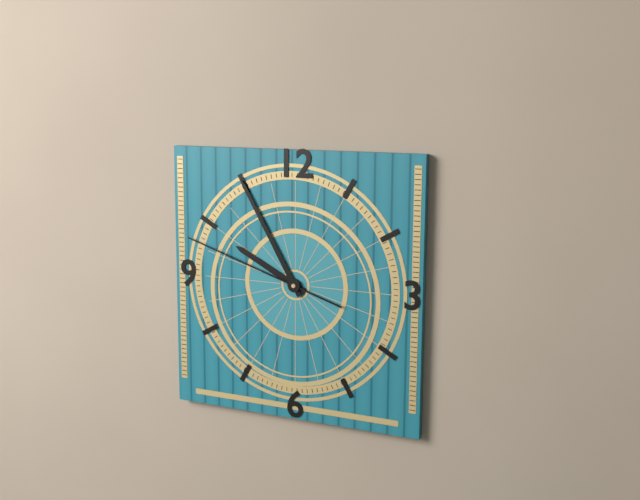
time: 9:55:48
